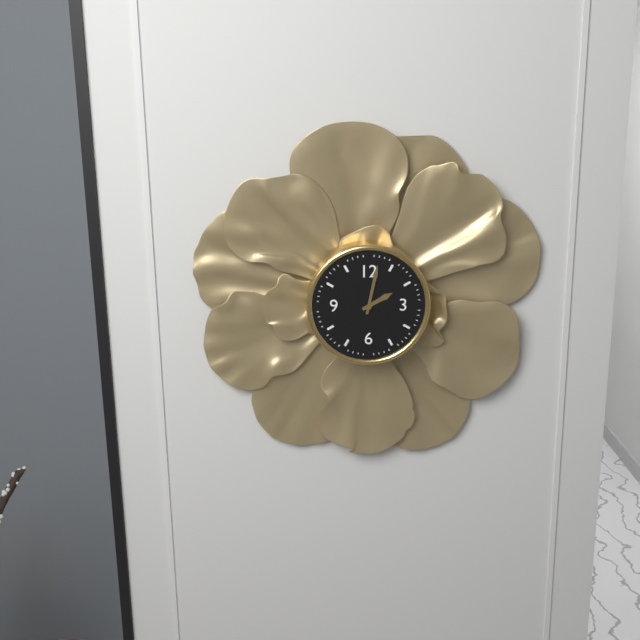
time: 2:02
